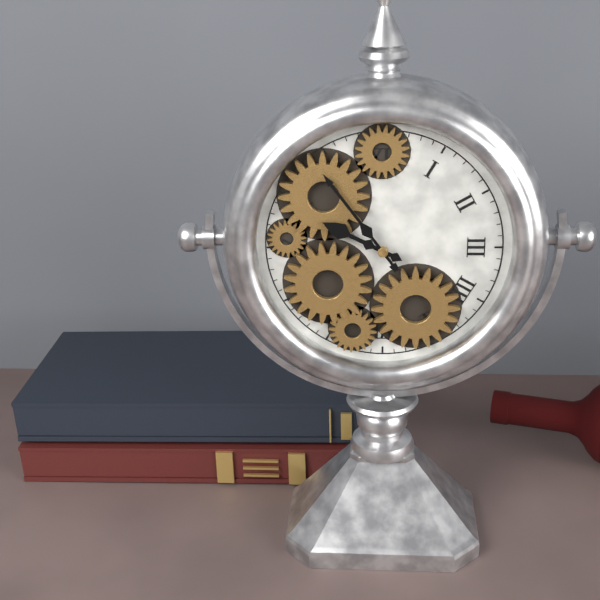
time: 9:54
